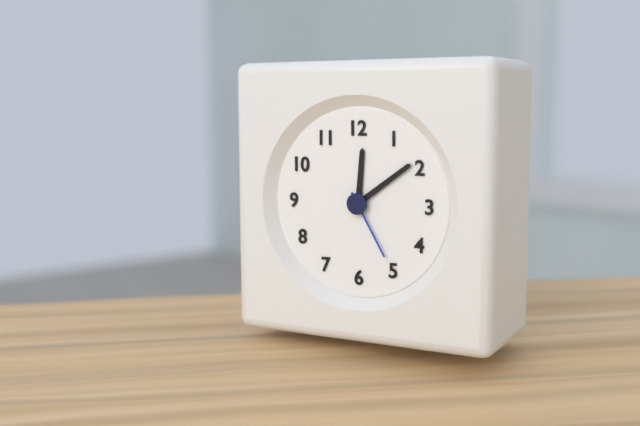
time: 12:09:25
